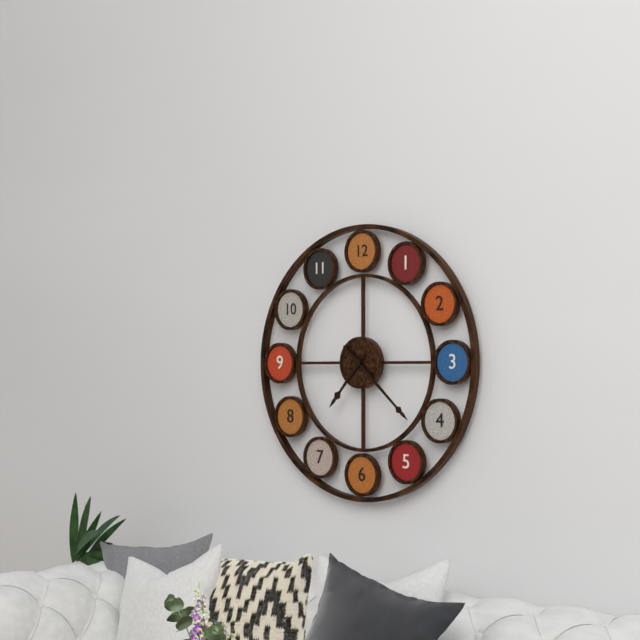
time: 7:22
